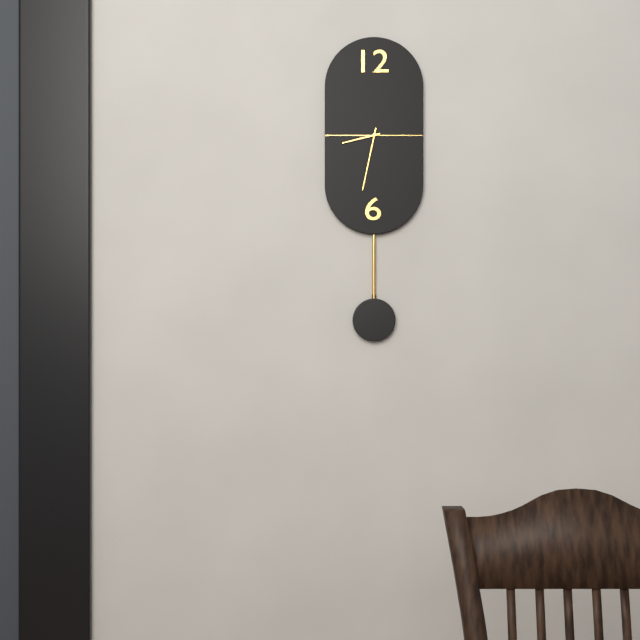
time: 8:32
